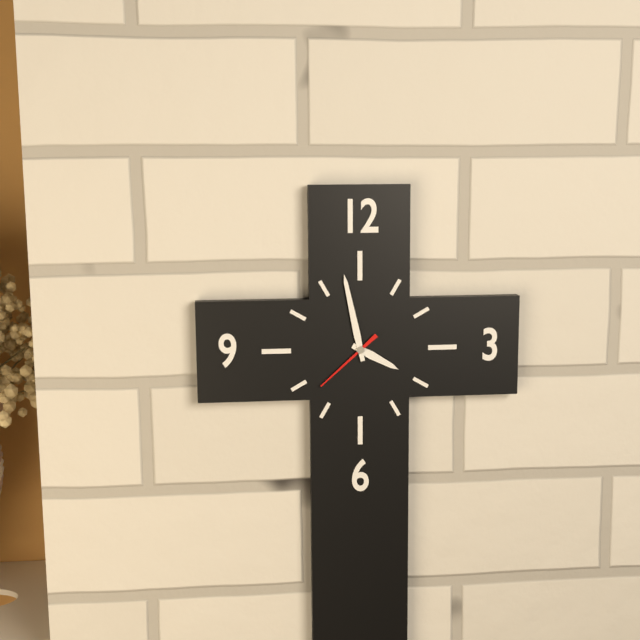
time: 3:58:38
